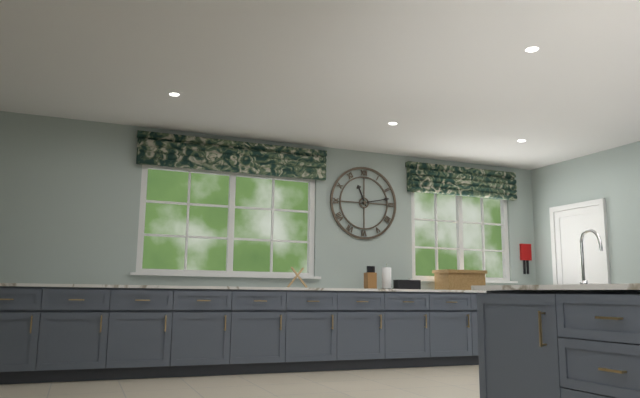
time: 11:13
